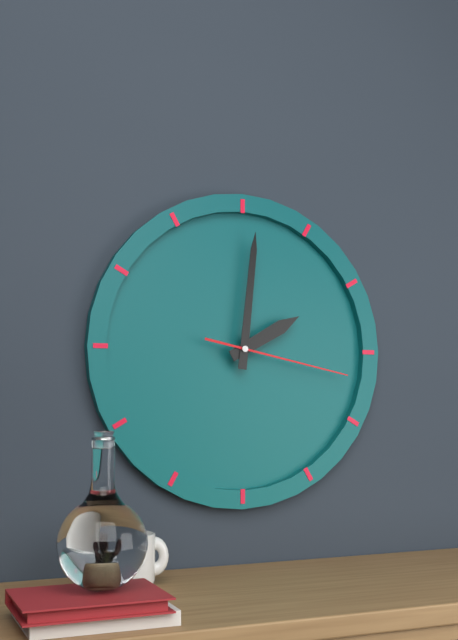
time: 2:01:17
